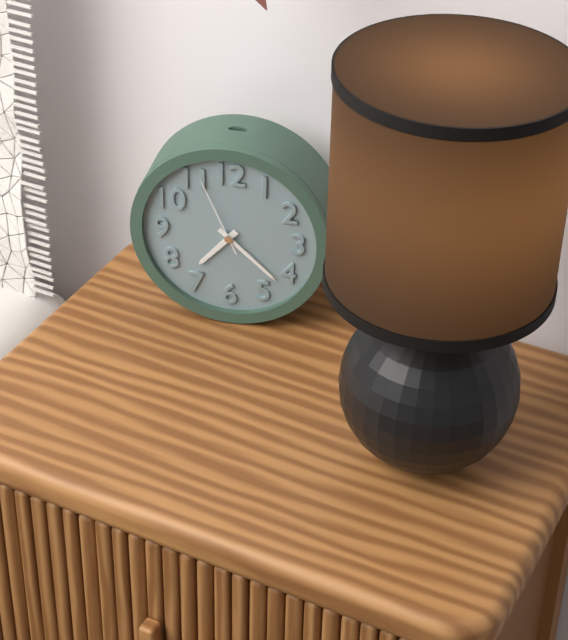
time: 7:22:56
